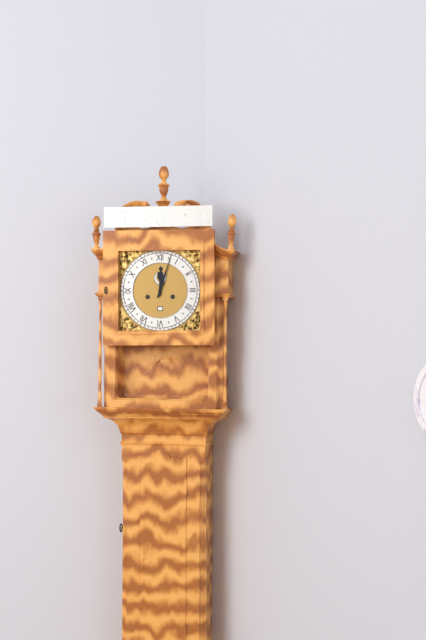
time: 12:03
